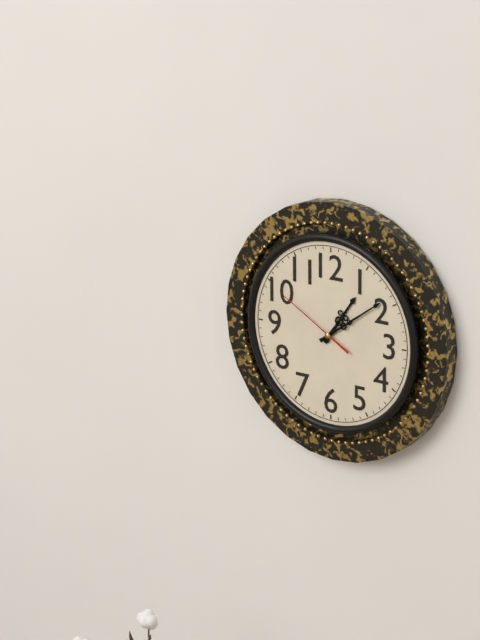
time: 1:09:50
